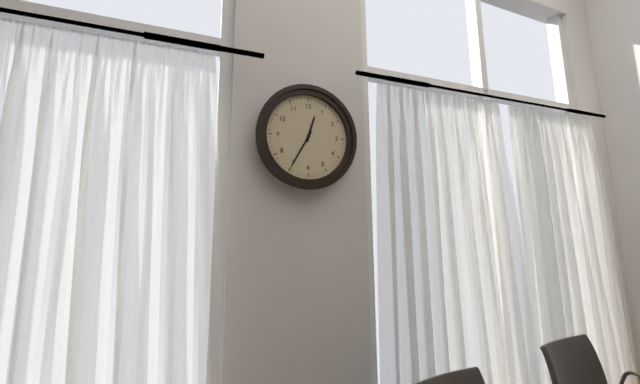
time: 12:35
